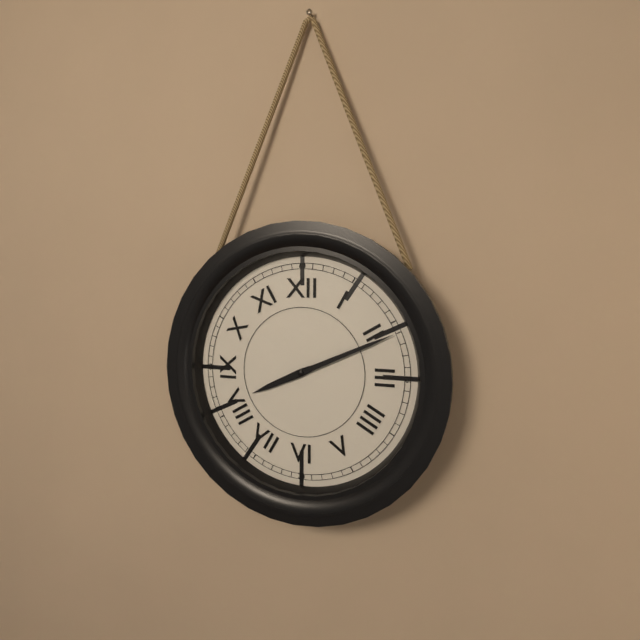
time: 8:11
